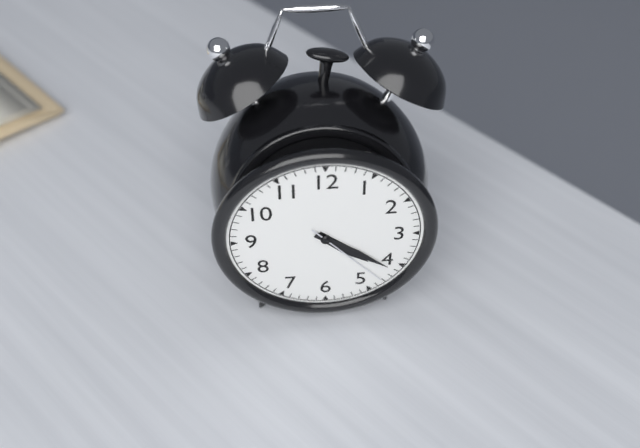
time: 4:21:23
